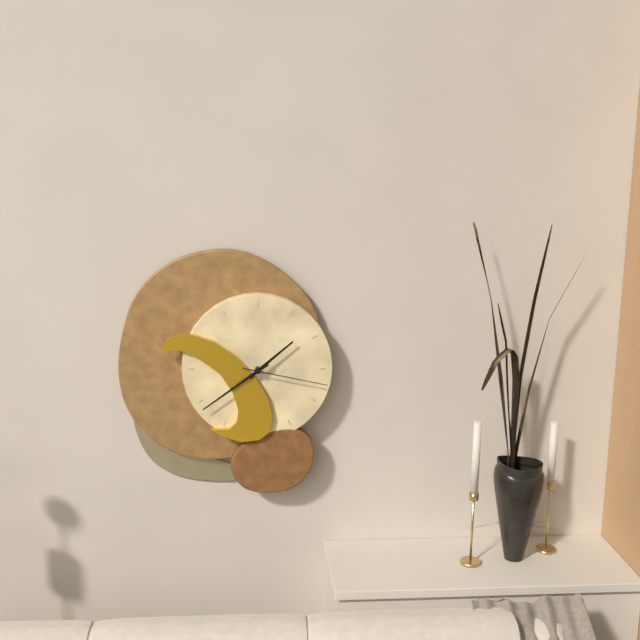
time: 1:39:17
